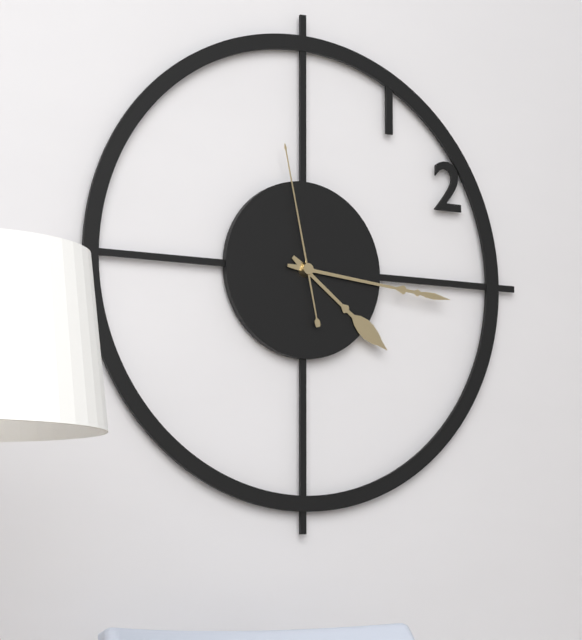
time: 4:16:58
